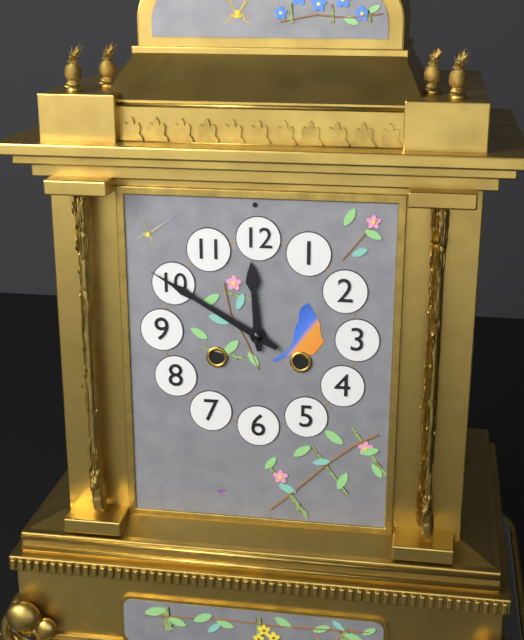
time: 11:50
